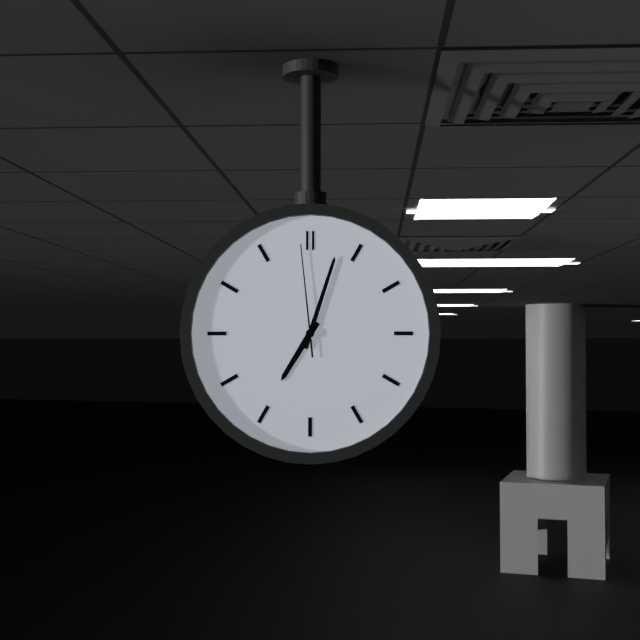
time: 7:03:59
